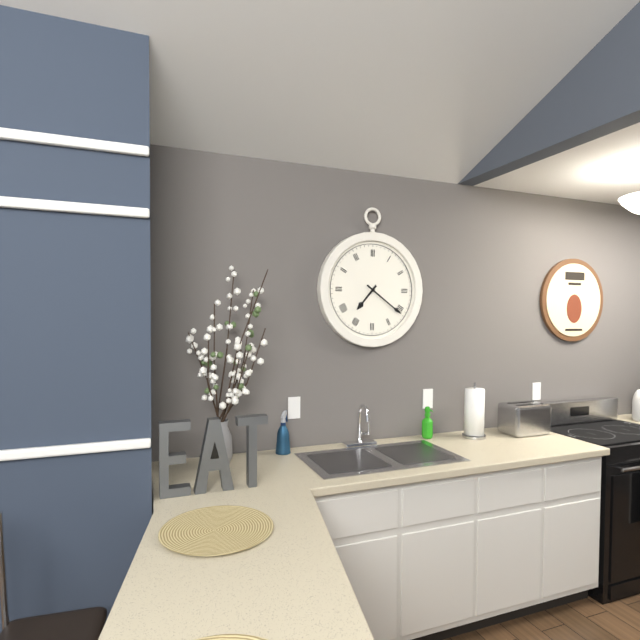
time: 7:21
